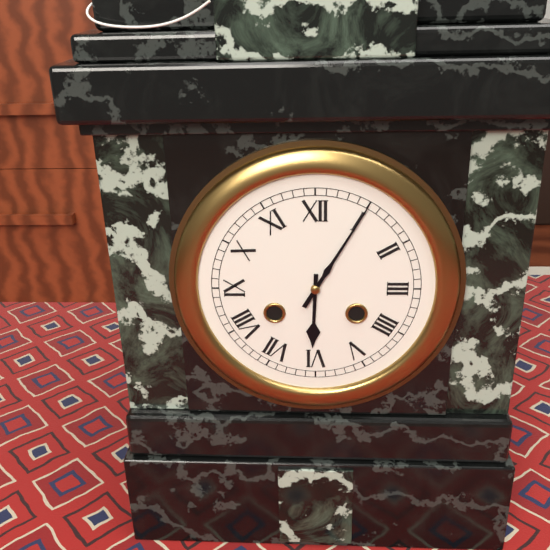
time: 6:05
